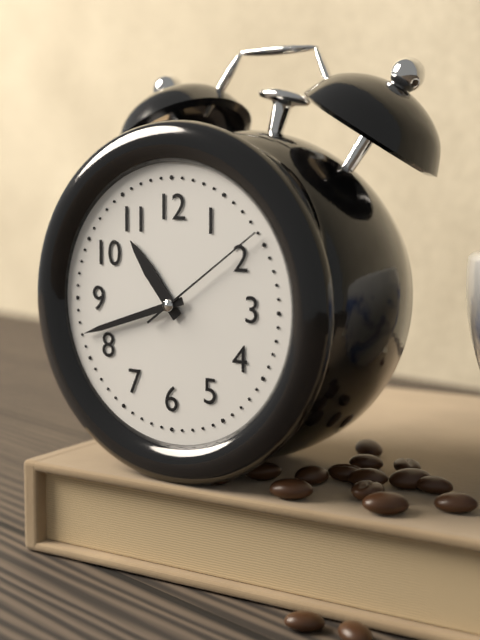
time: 10:42:09
